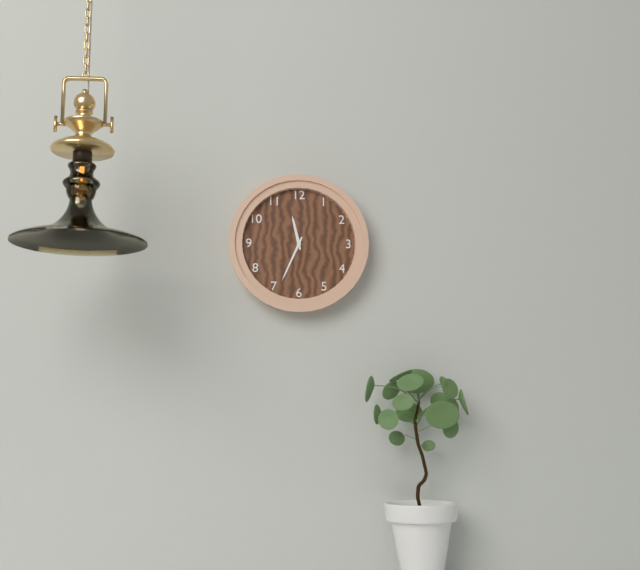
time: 11:34
